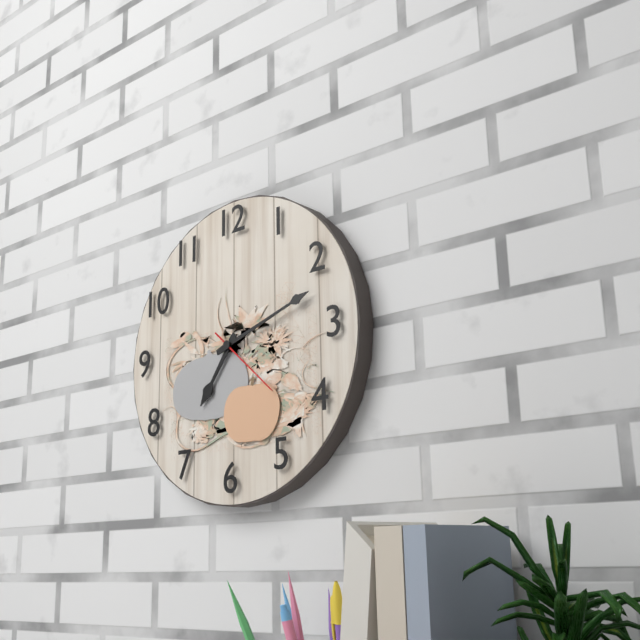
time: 7:12:22
